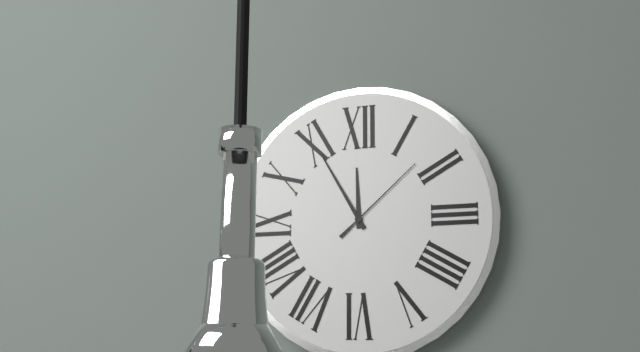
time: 11:55:08
